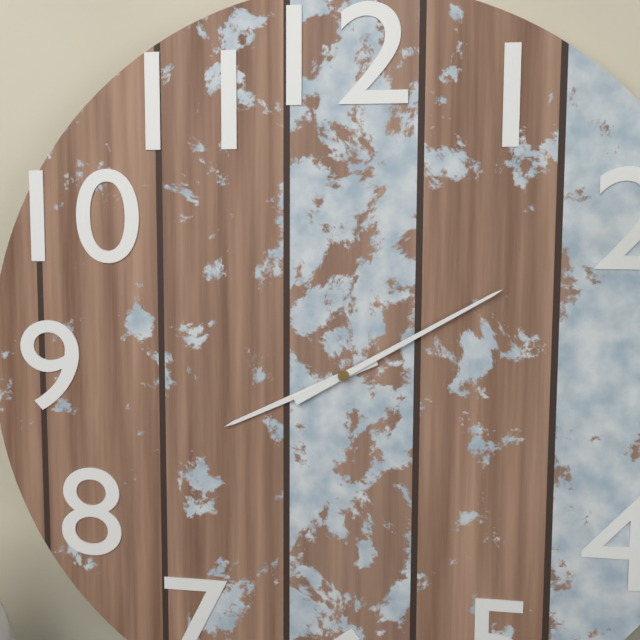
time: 8:10
